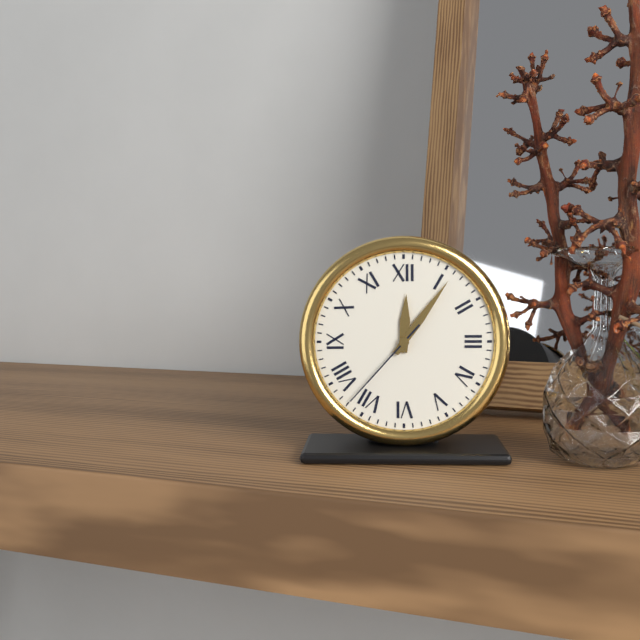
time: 12:06:37
